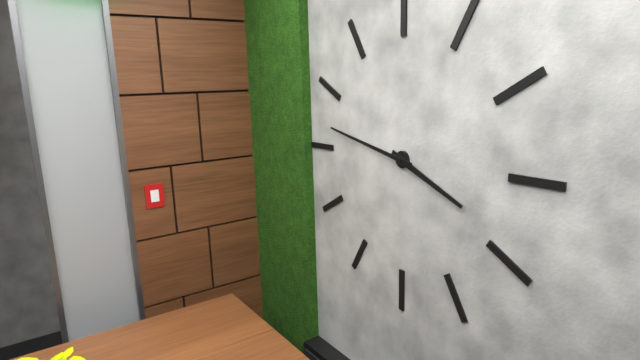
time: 3:47
